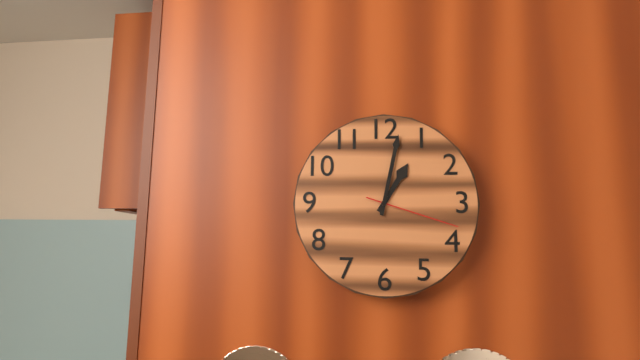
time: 1:02:18
